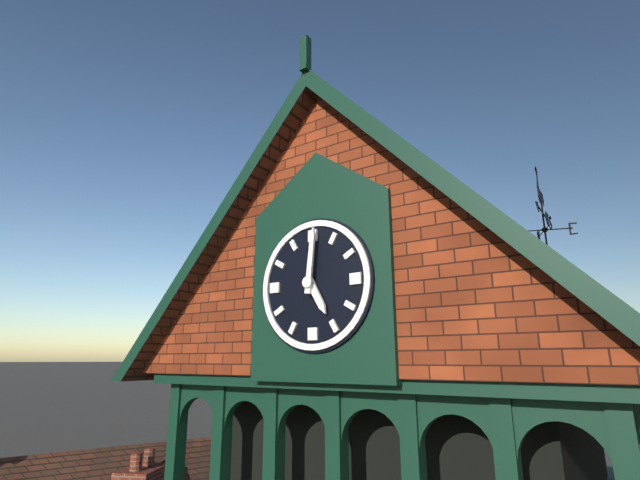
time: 5:01
